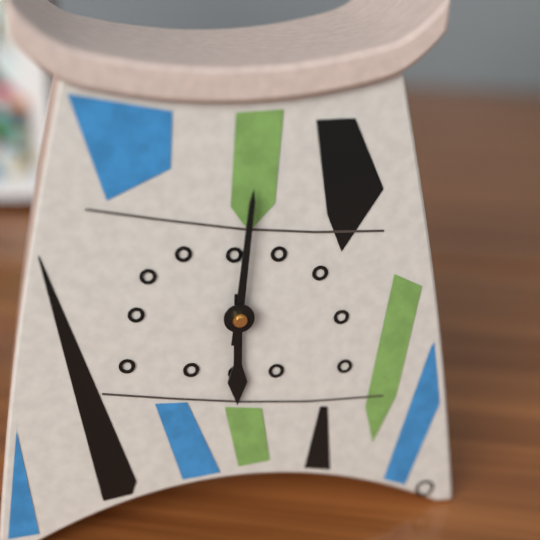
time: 6:01
